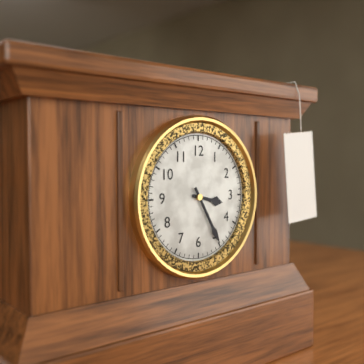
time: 3:25
